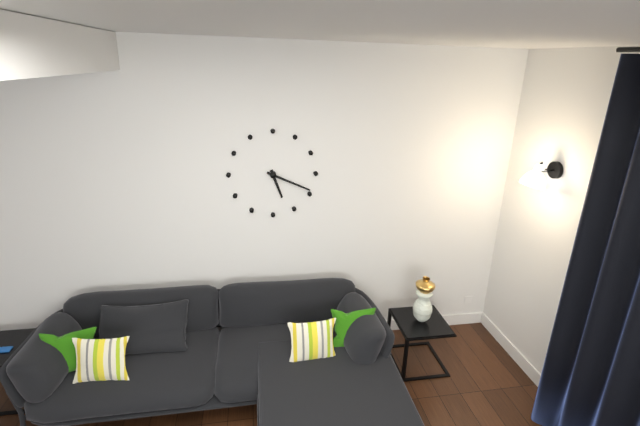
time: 5:19
